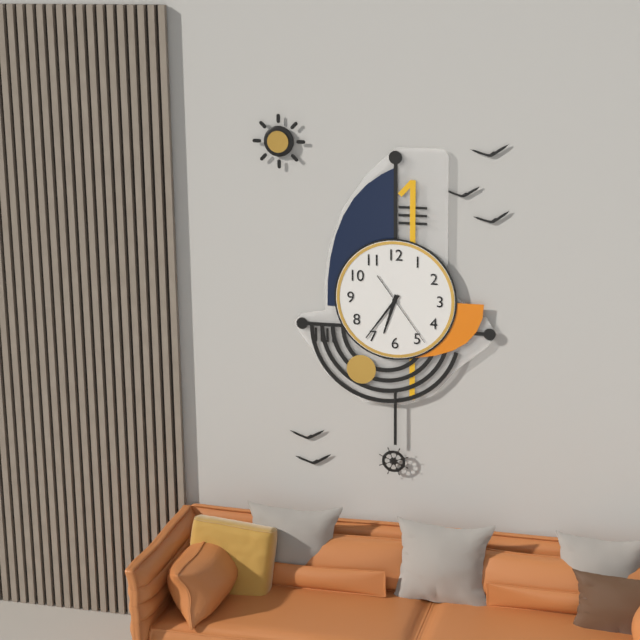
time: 6:36:24
